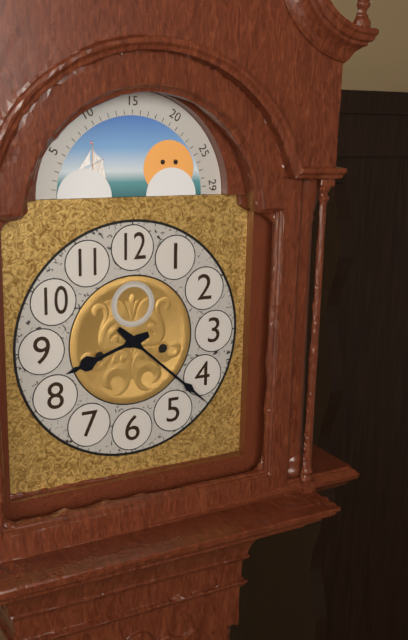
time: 8:22
